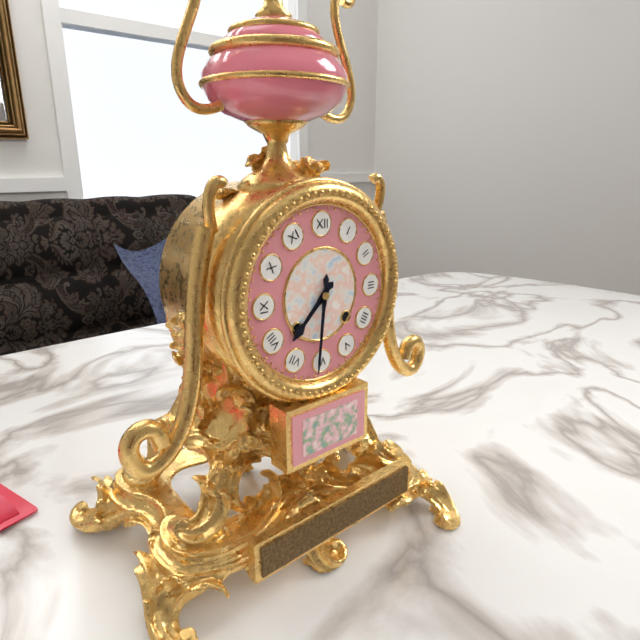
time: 7:31
